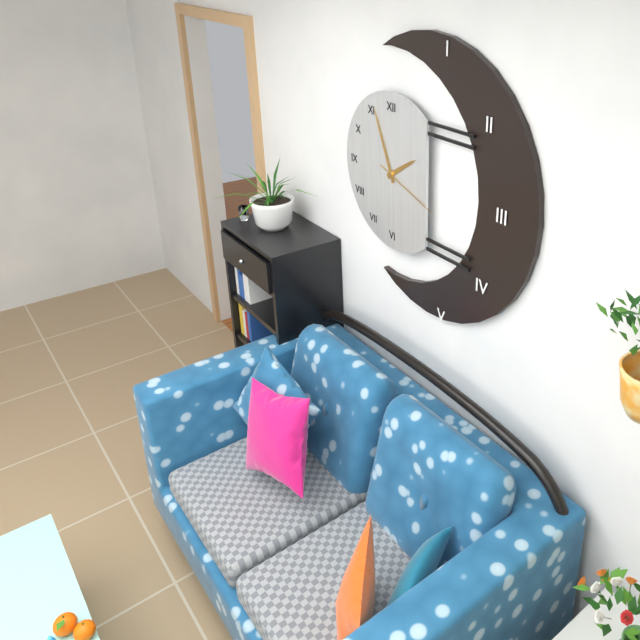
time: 1:56:18
